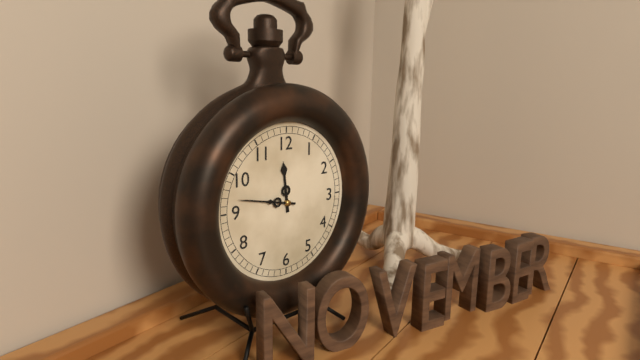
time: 11:47
